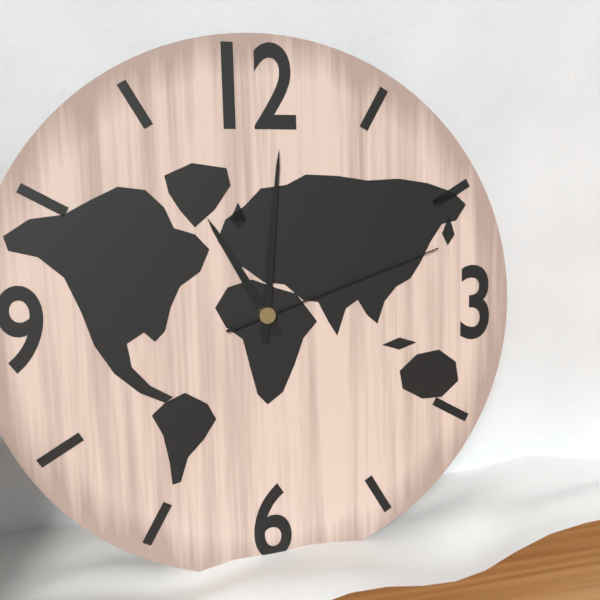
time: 11:01:12
